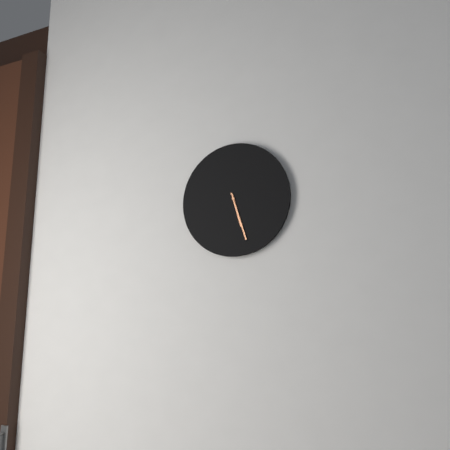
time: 5:27
